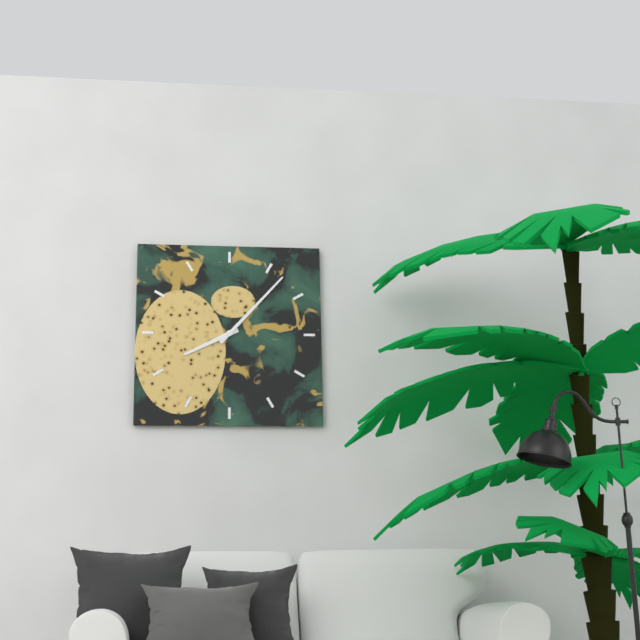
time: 8:07
